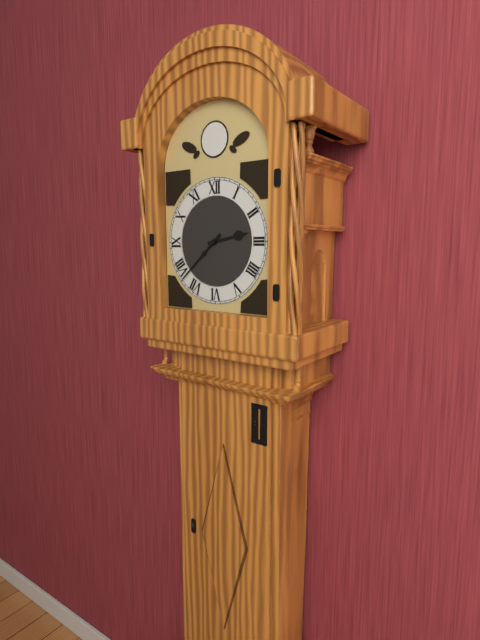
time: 2:38
